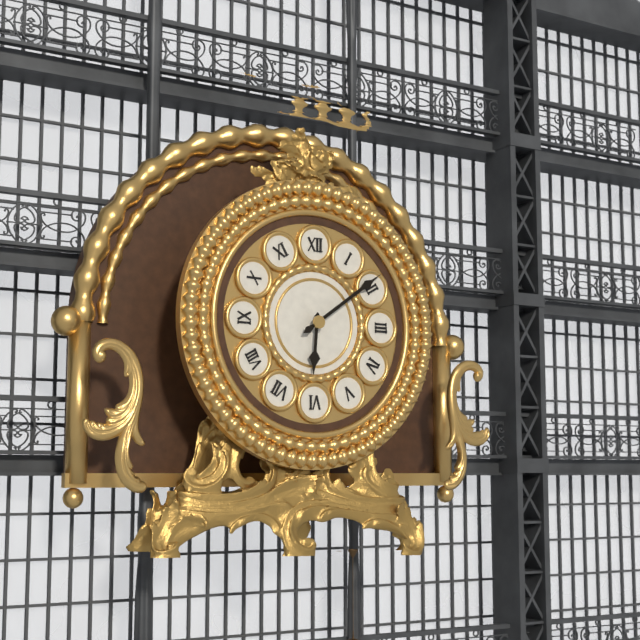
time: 6:09
